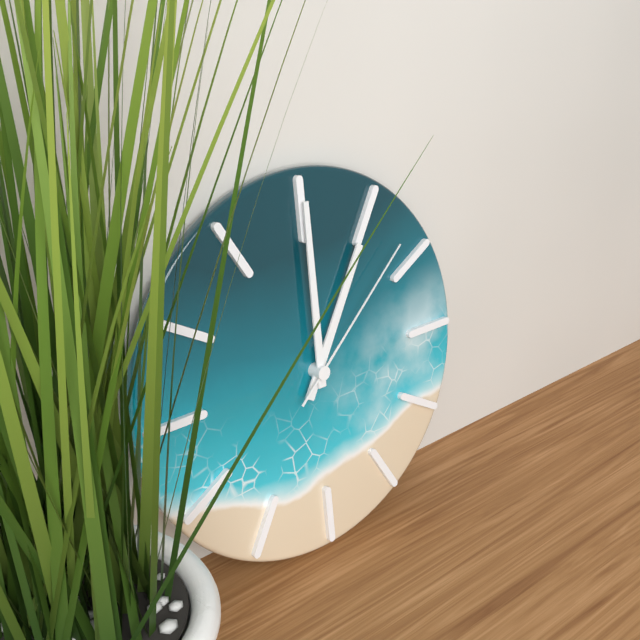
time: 1:00:08
